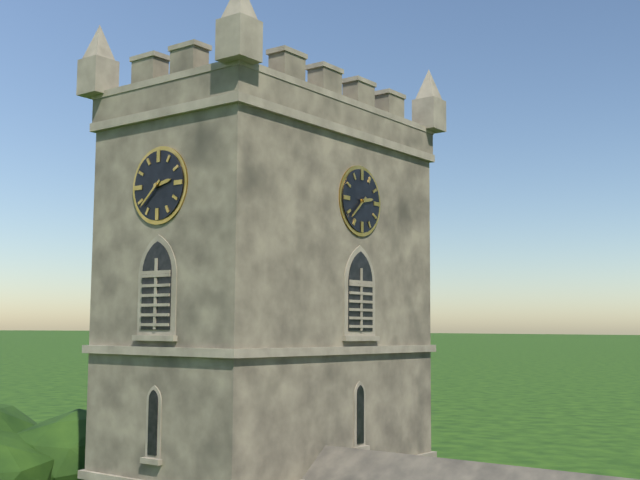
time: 2:38
